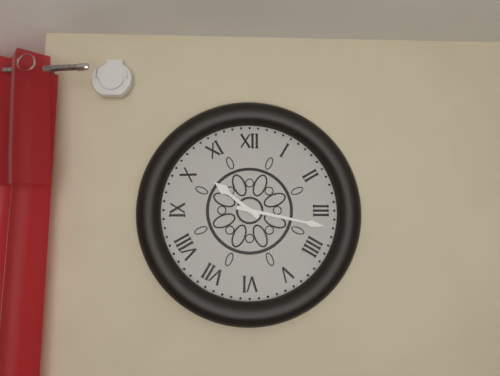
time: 10:17
